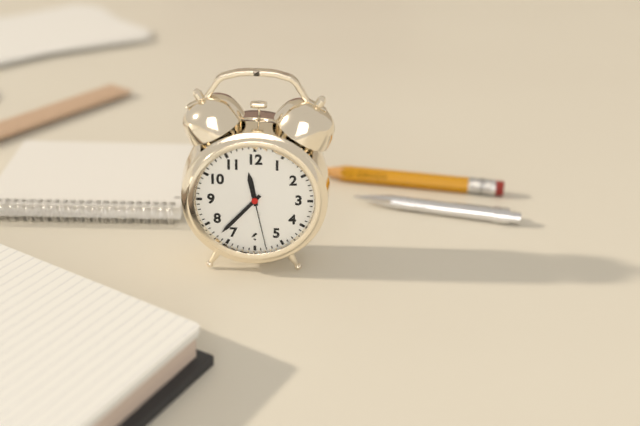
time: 11:37:28
